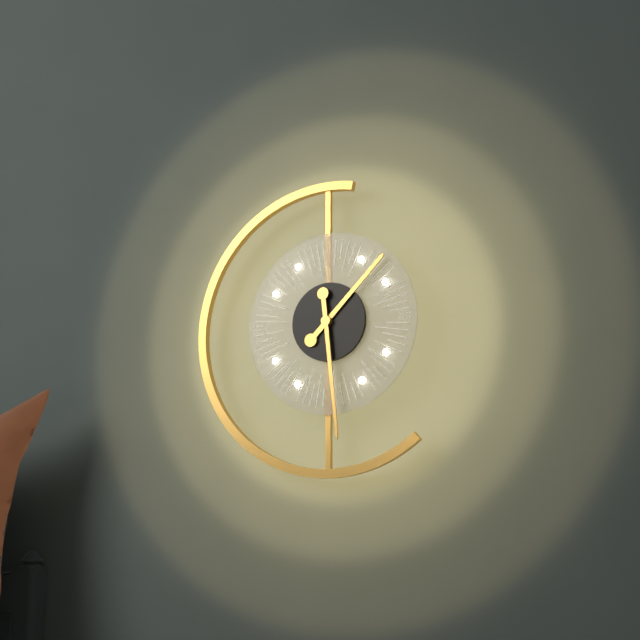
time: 1:29
